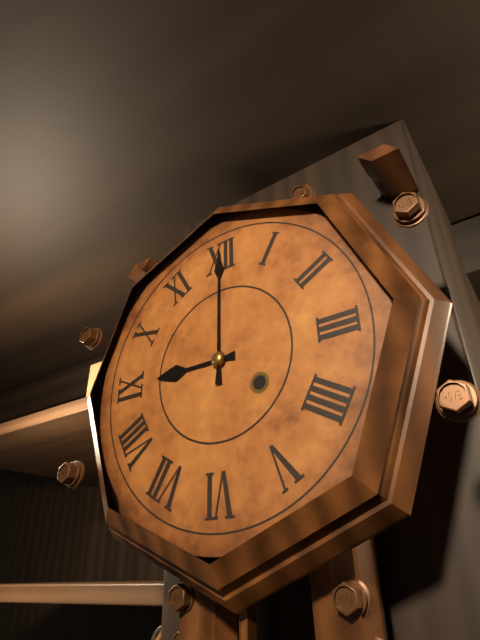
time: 9:00
